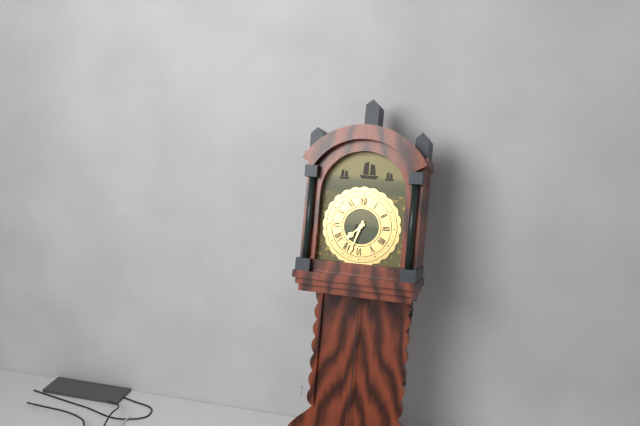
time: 7:33
